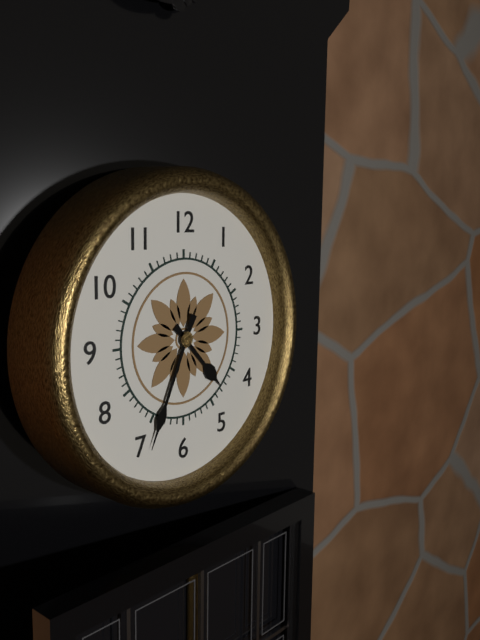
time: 4:34
